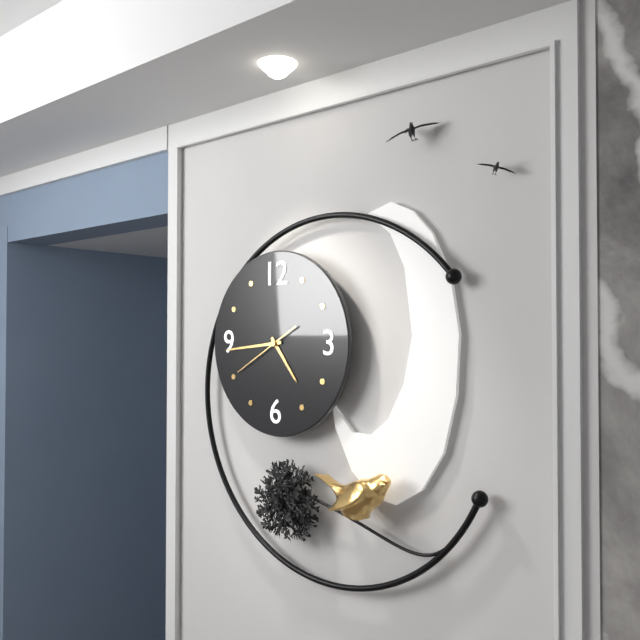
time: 4:44:40
